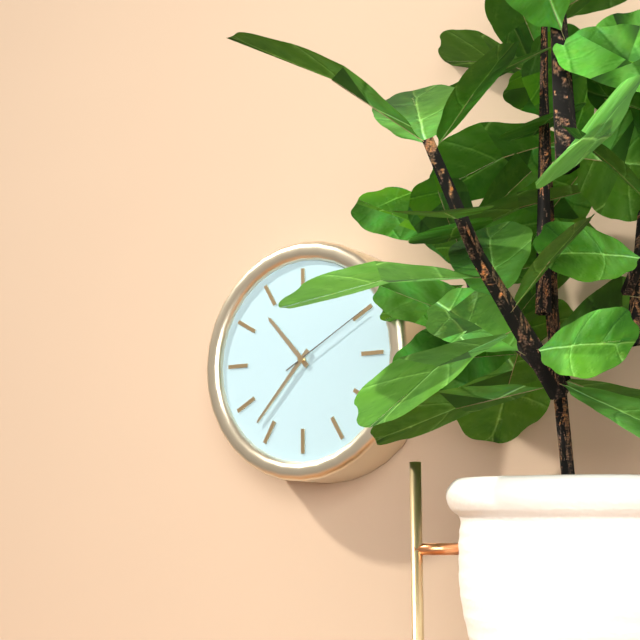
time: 10:37:10
